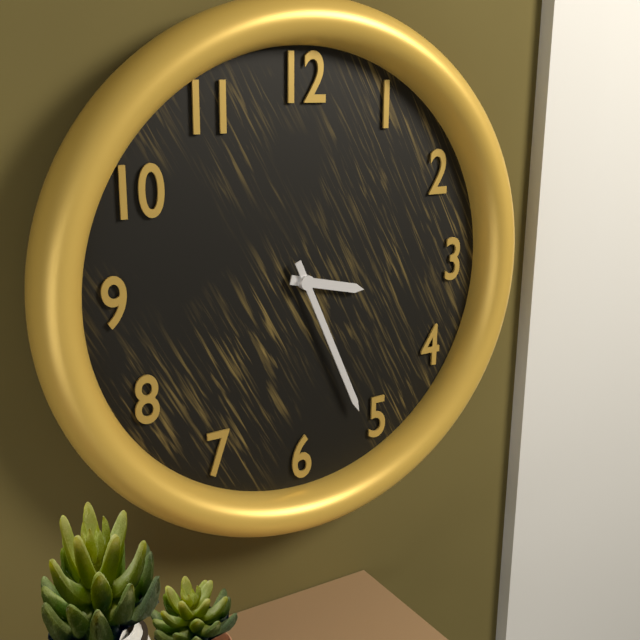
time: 3:26
